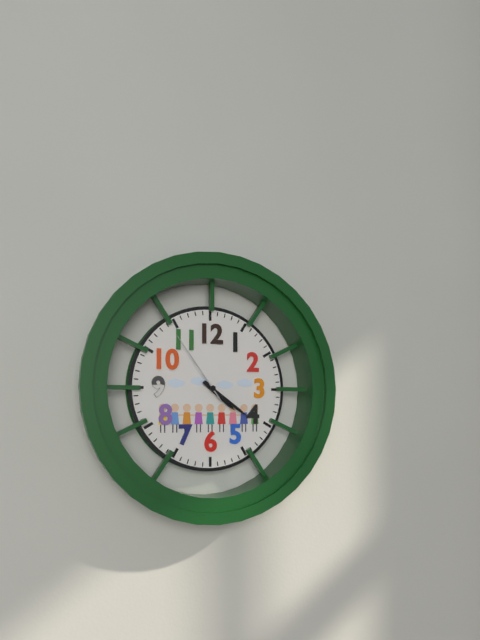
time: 4:21:54
